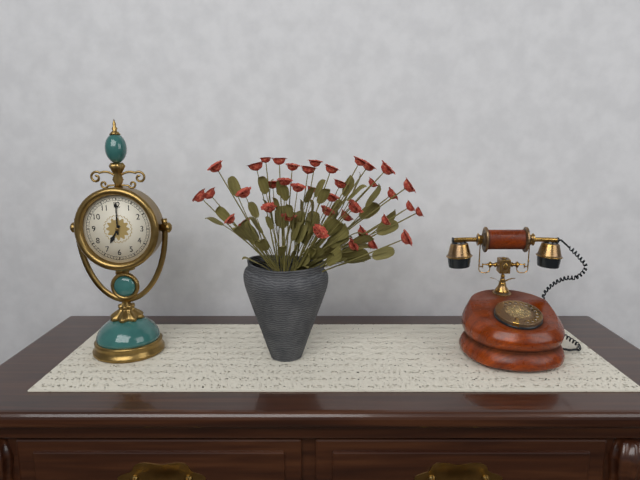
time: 7:00
